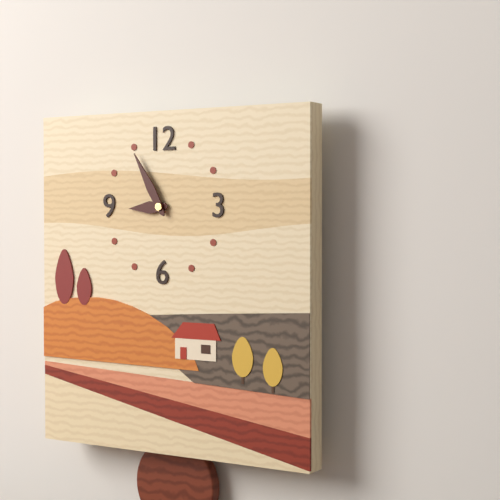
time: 8:55
